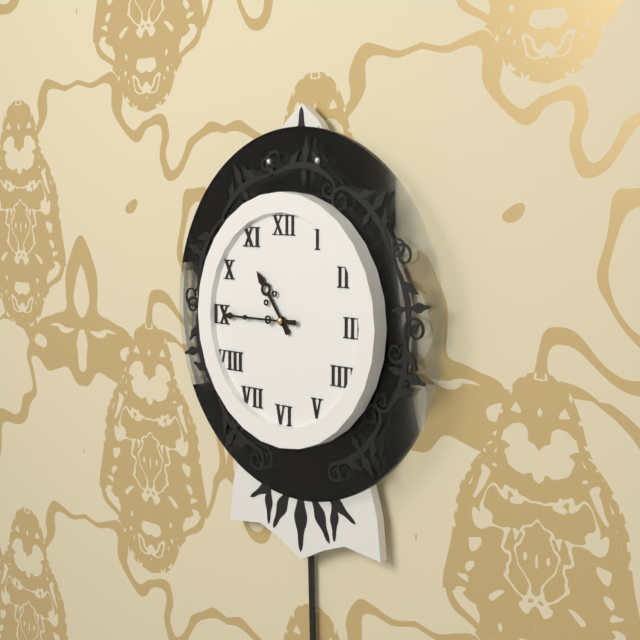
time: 10:45
